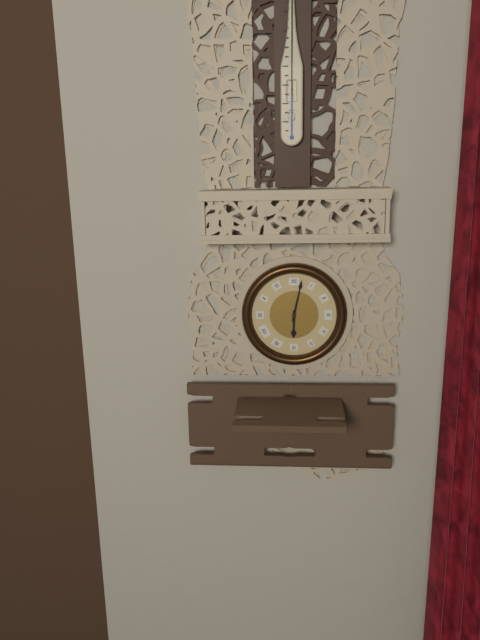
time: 6:02
